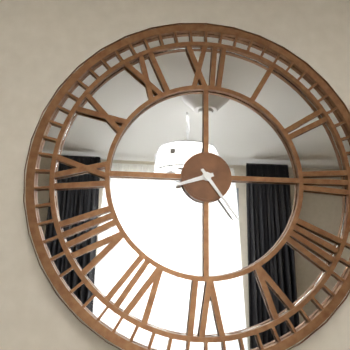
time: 8:24
